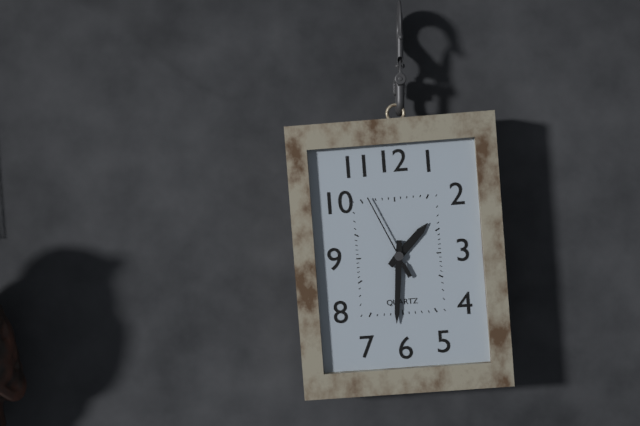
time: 1:31:56
